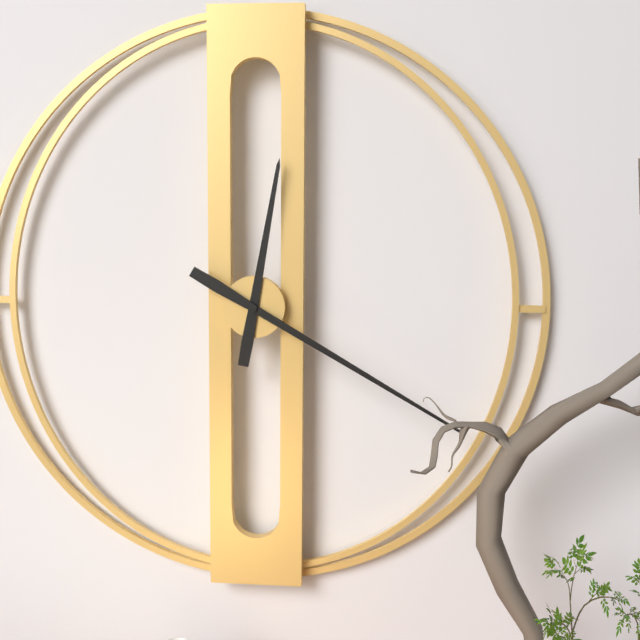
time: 12:20
